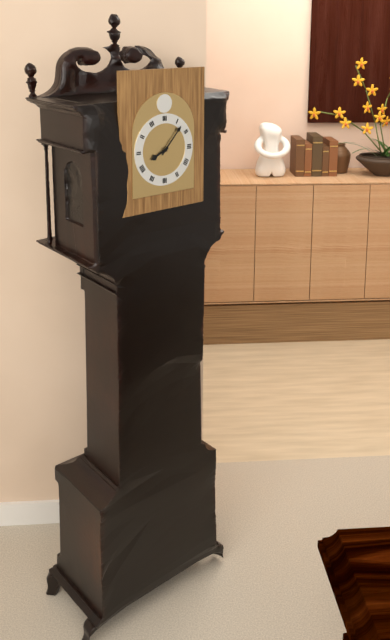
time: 8:07
